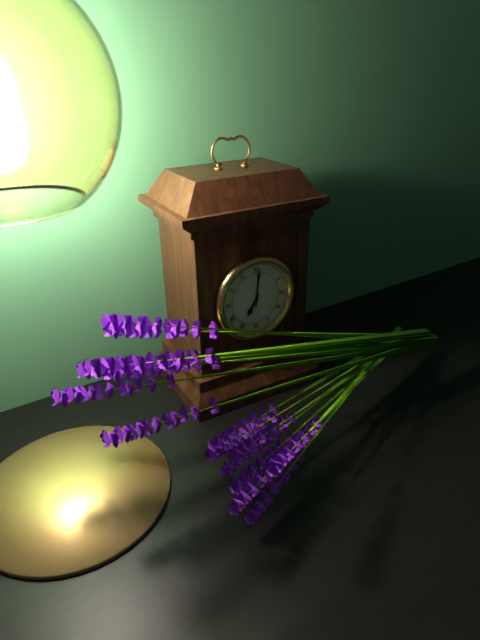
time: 7:01
